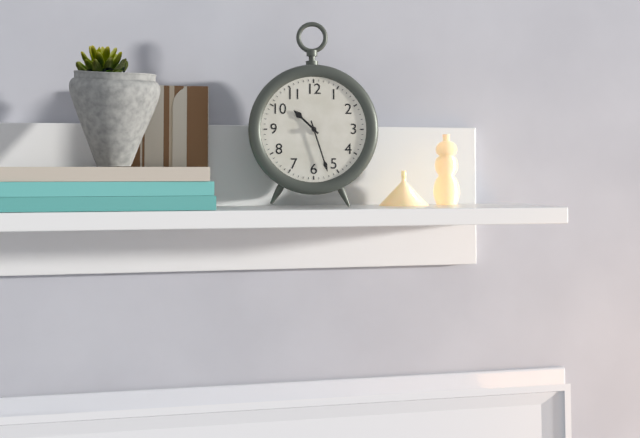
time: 10:27
